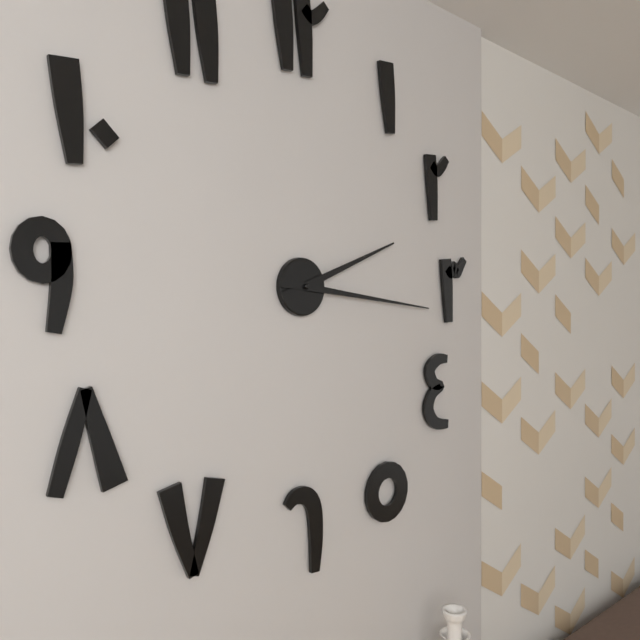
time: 2:16
